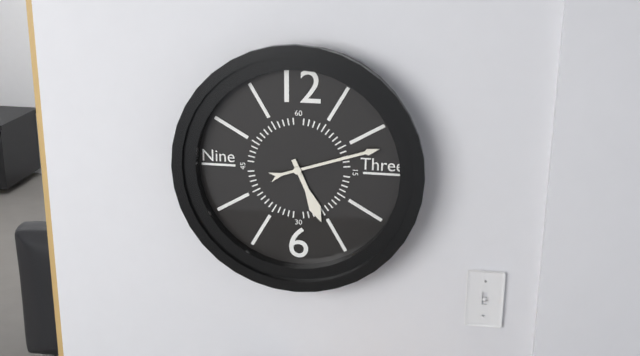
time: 5:12
